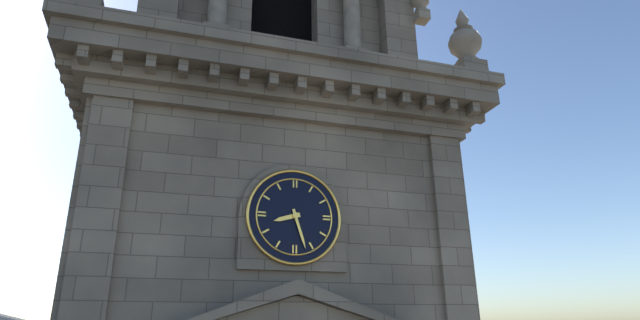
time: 8:27
